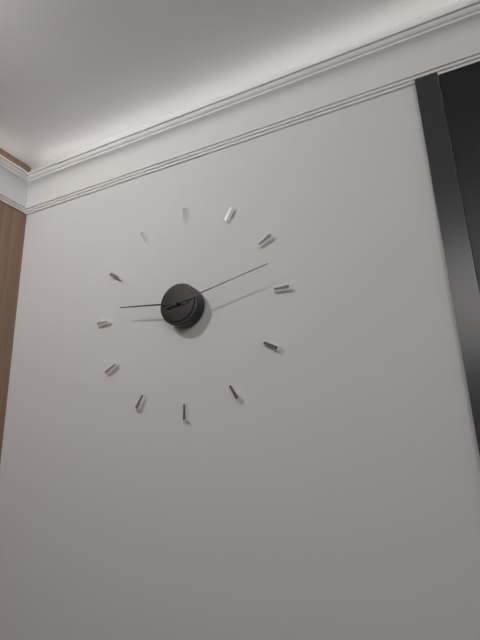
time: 9:13
